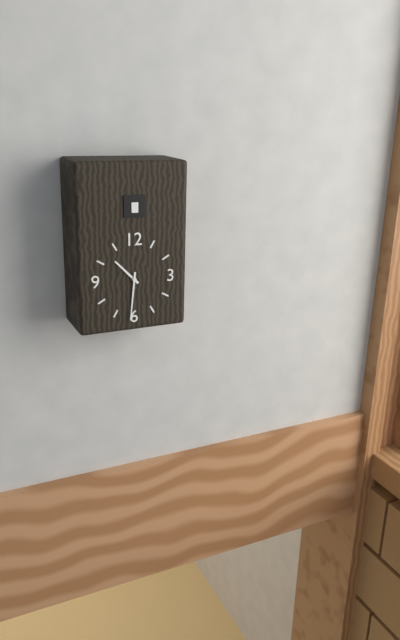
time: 10:31
